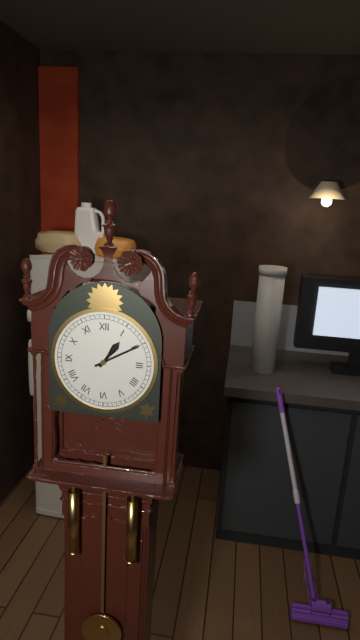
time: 1:10
